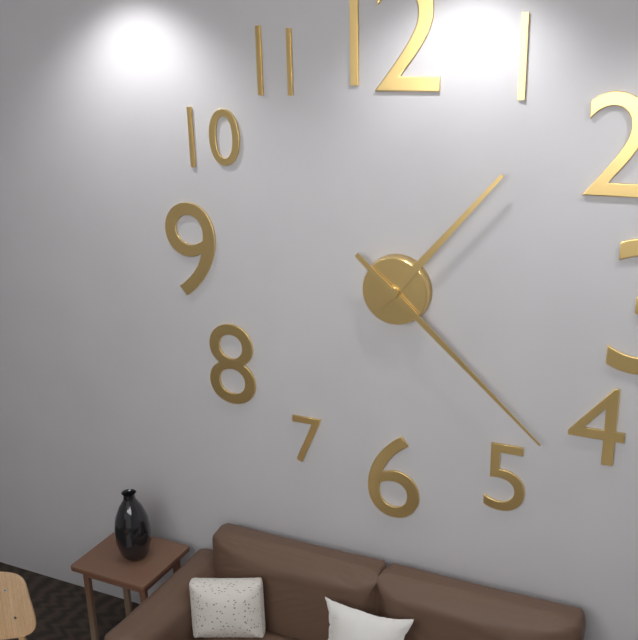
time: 1:22
